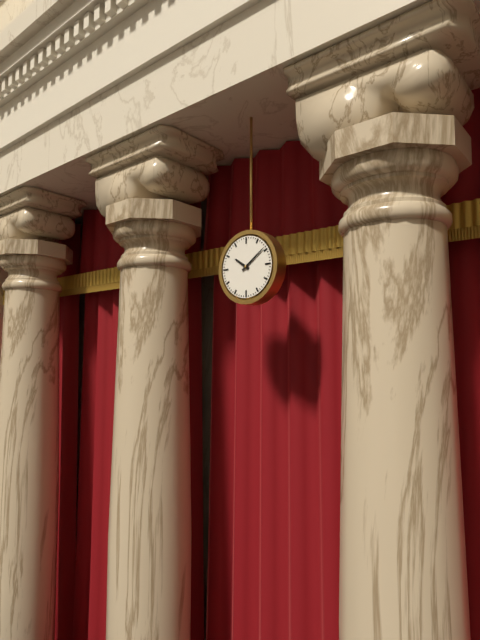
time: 10:09
